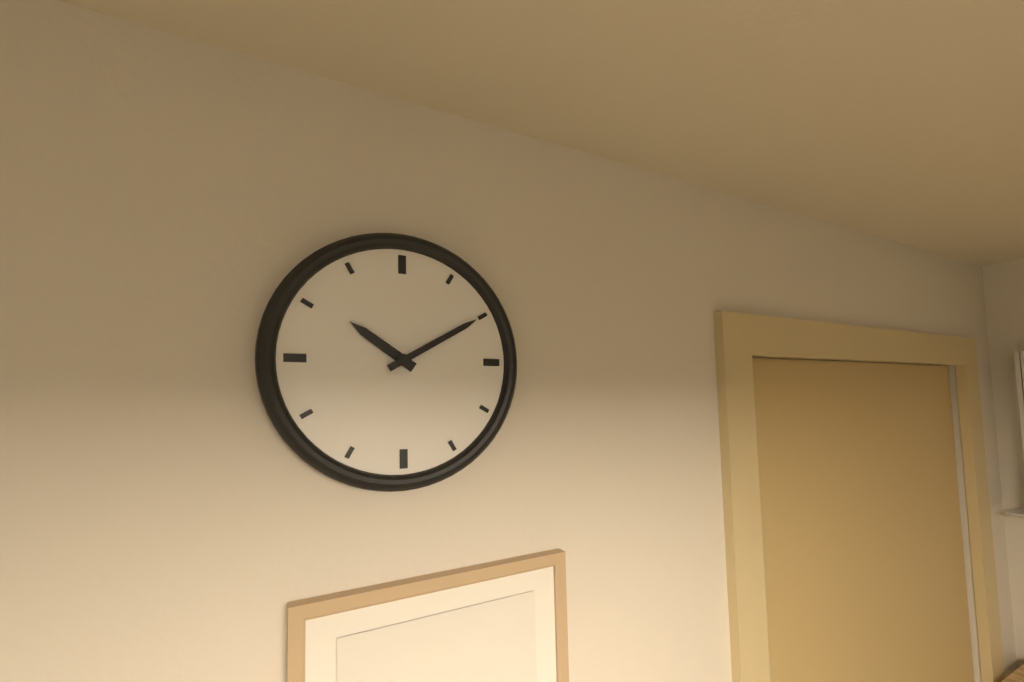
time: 10:10
